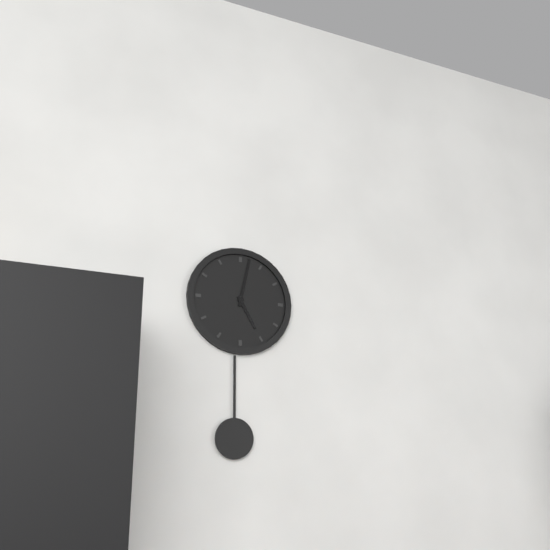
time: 5:02
